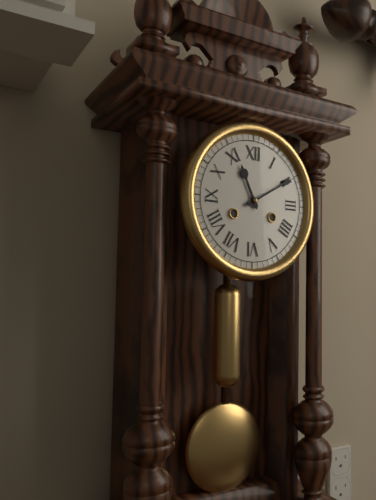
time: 11:10
